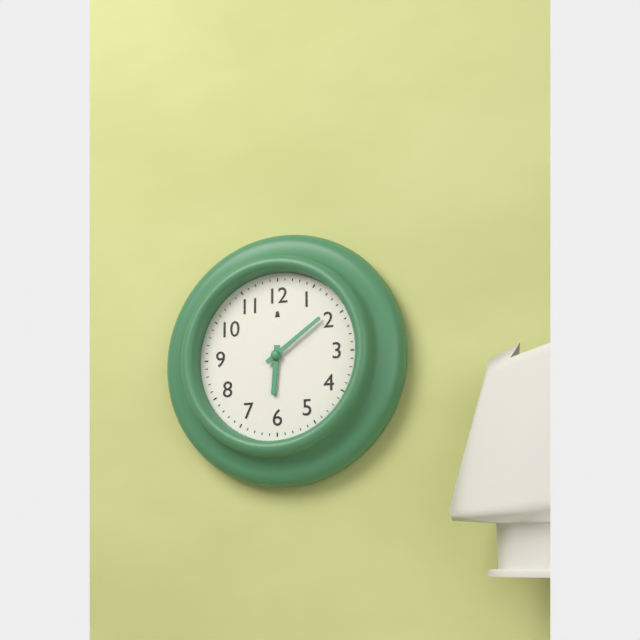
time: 6:09
